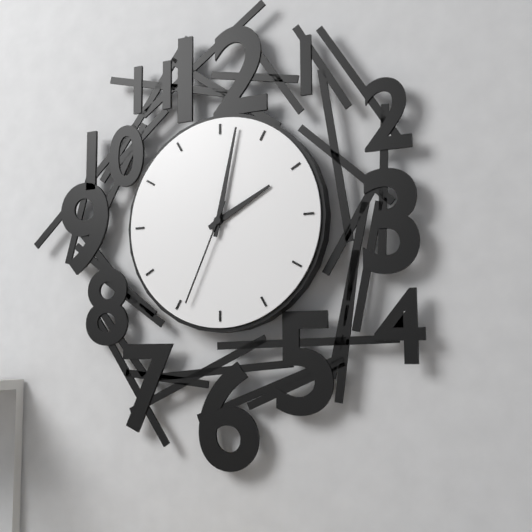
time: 2:02:34
